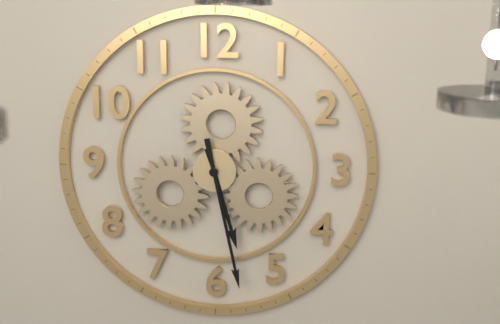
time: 5:28
